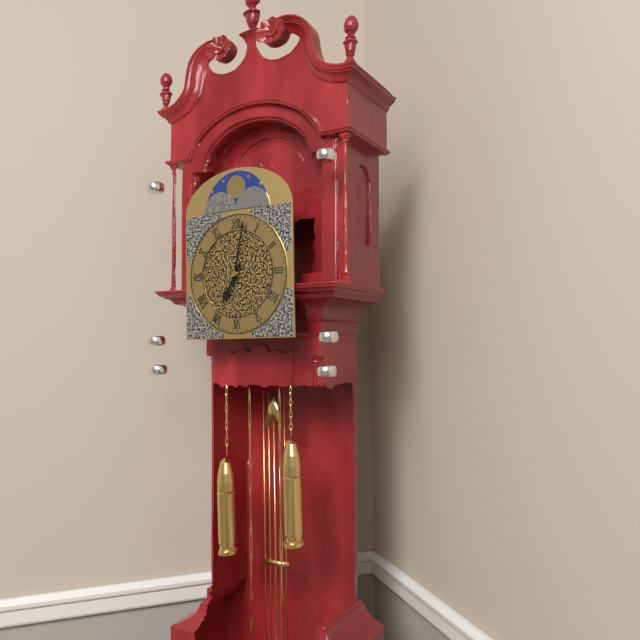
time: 7:02
